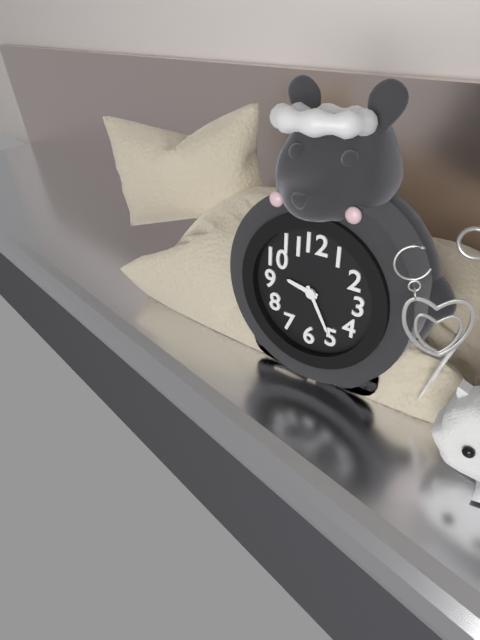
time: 9:25
